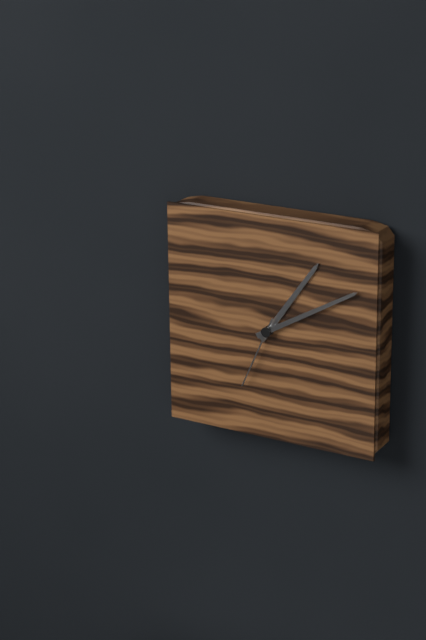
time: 1:10:34
